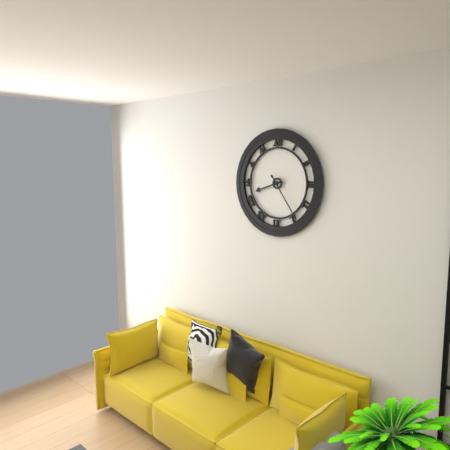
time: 8:24
